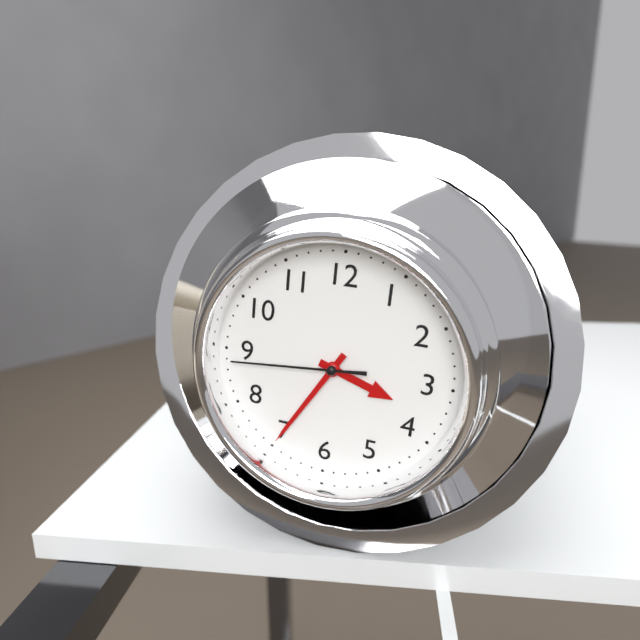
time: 3:35:44
